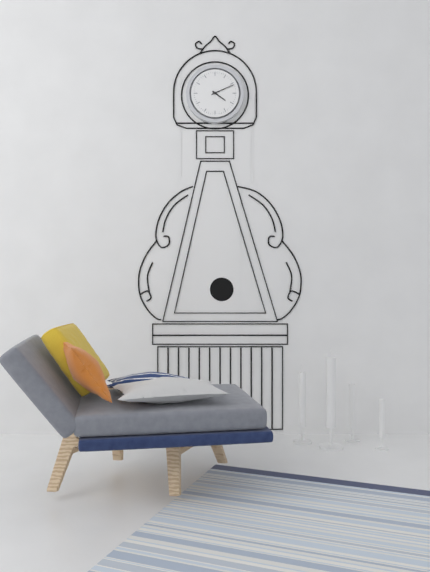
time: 4:11
